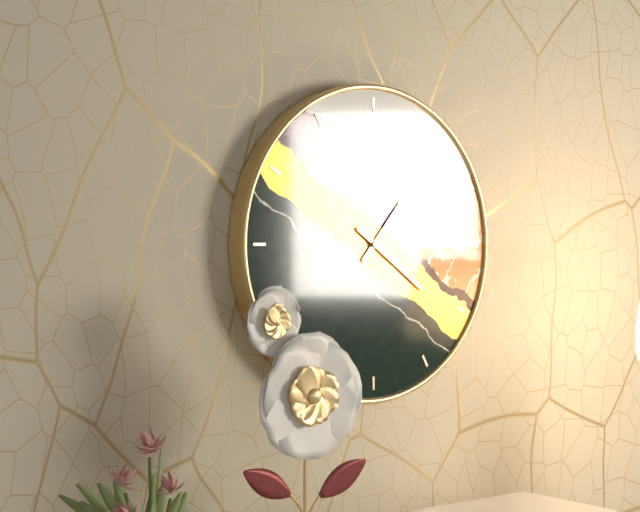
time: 1:21
